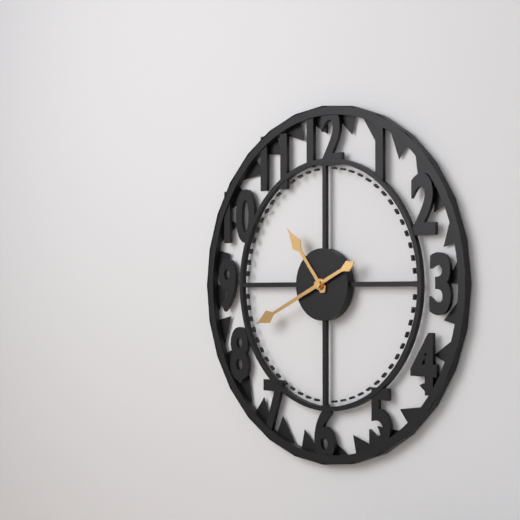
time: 10:41
